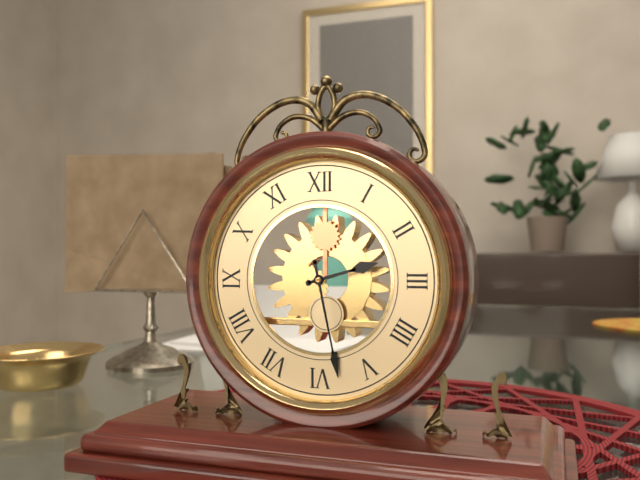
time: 2:28
